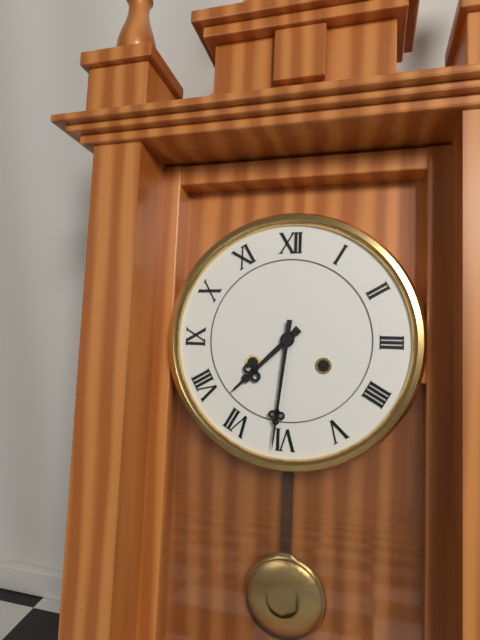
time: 7:31
